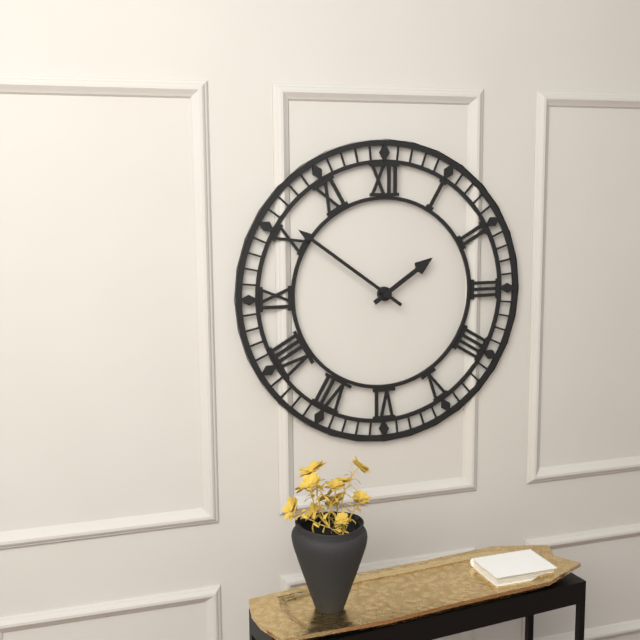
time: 1:51
